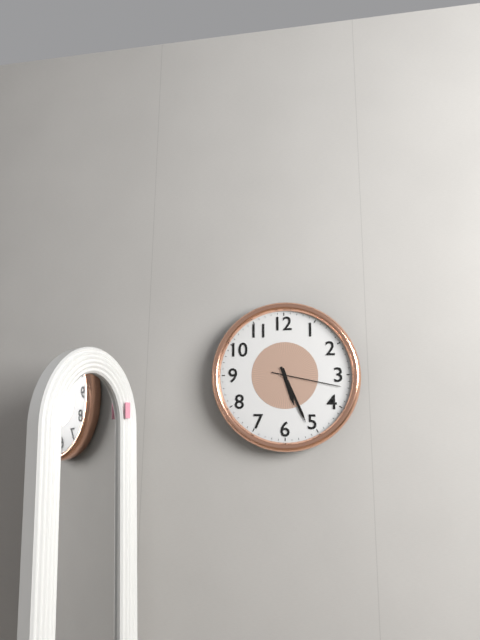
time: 5:26:17
